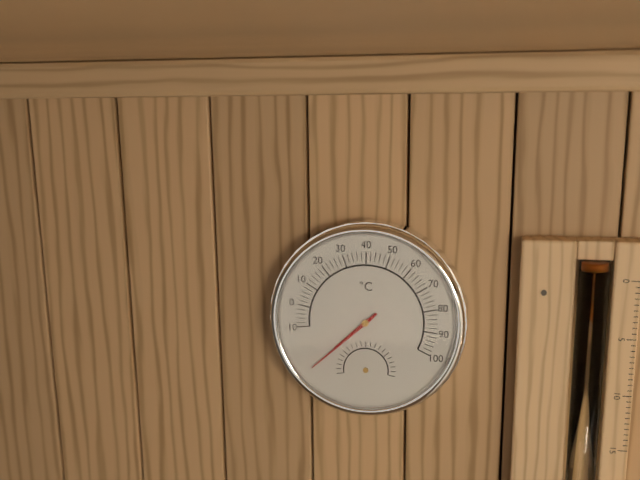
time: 7:38
